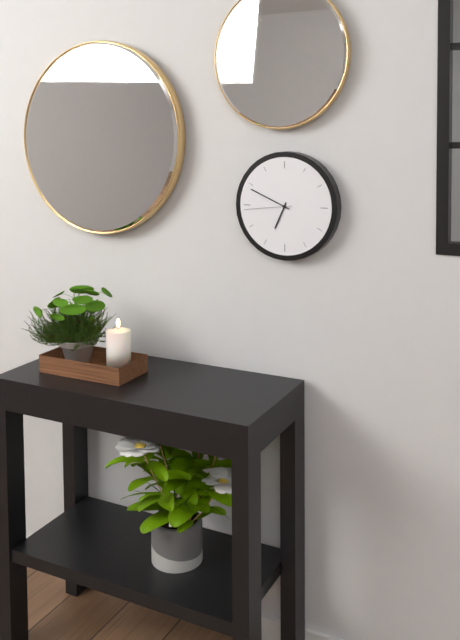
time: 6:49:44
